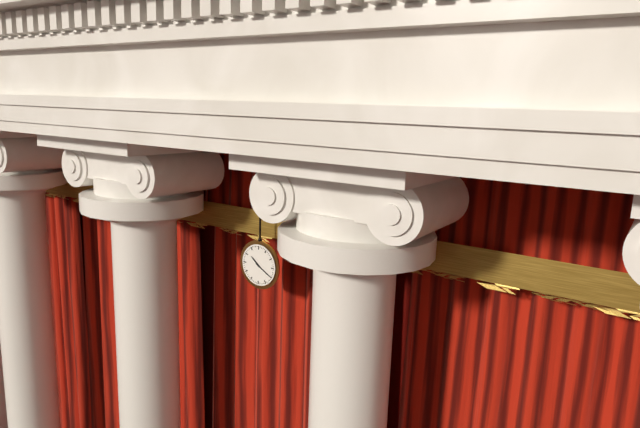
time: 10:20
